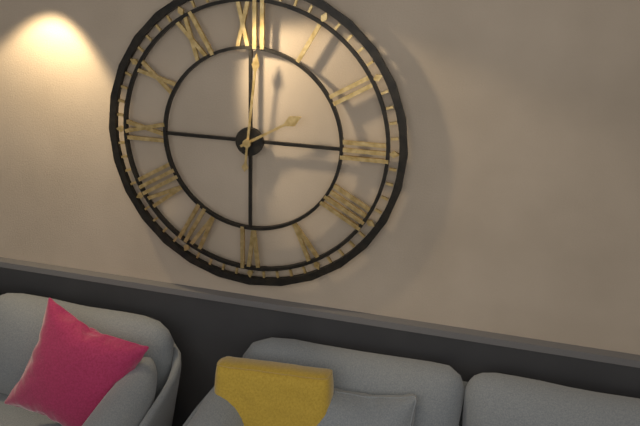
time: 2:01
